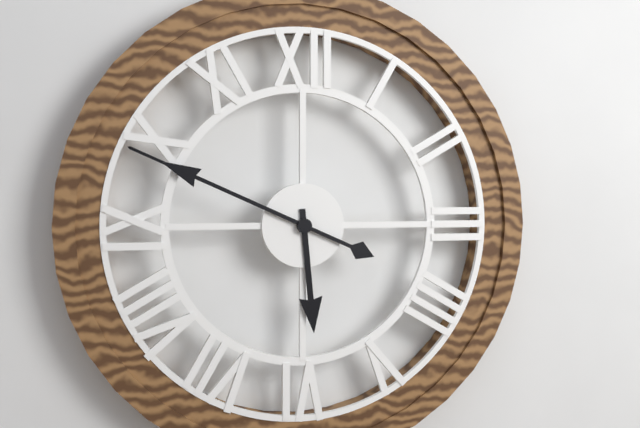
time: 5:49
